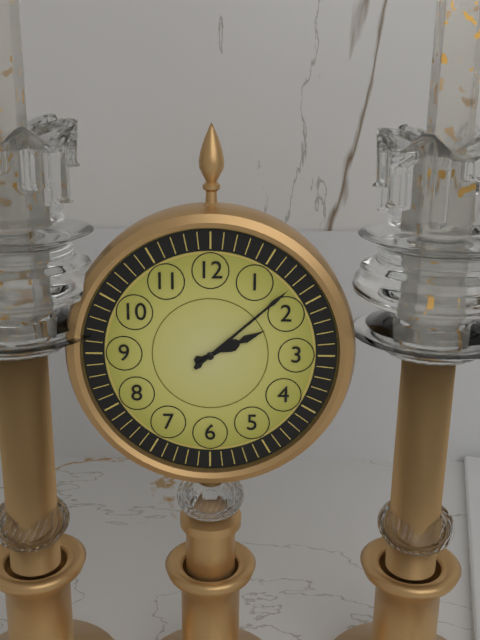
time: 2:08
